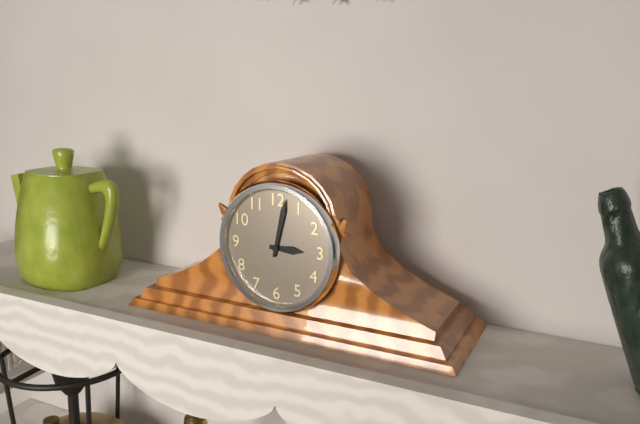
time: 3:02
